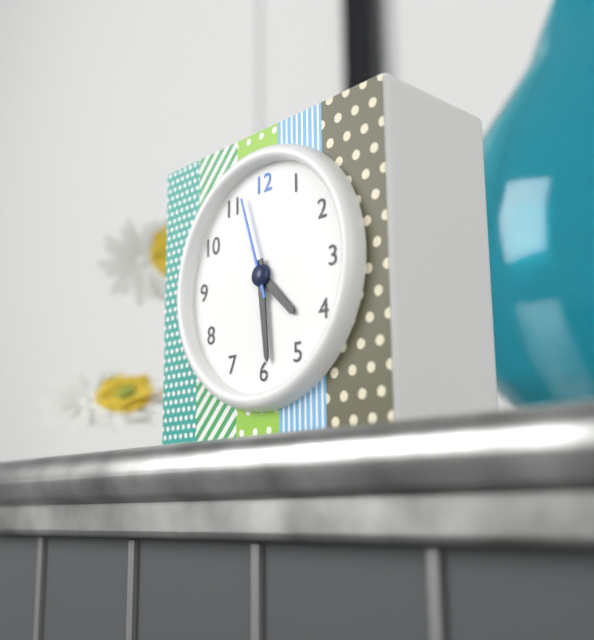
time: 4:29:57
